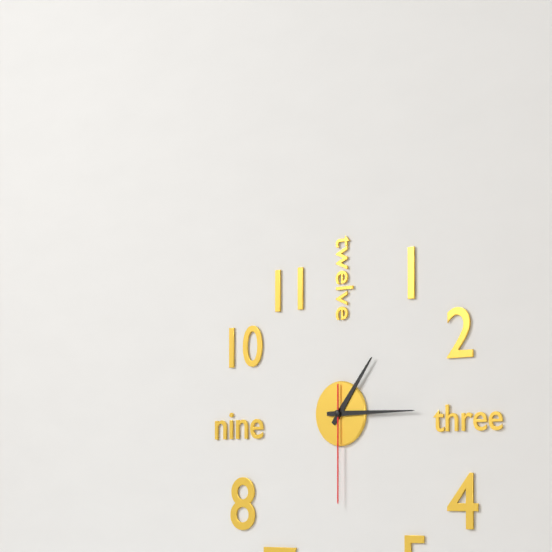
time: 1:15:30
